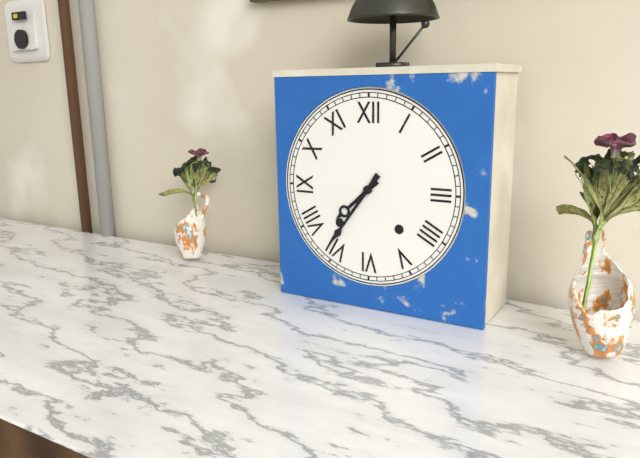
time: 7:36
